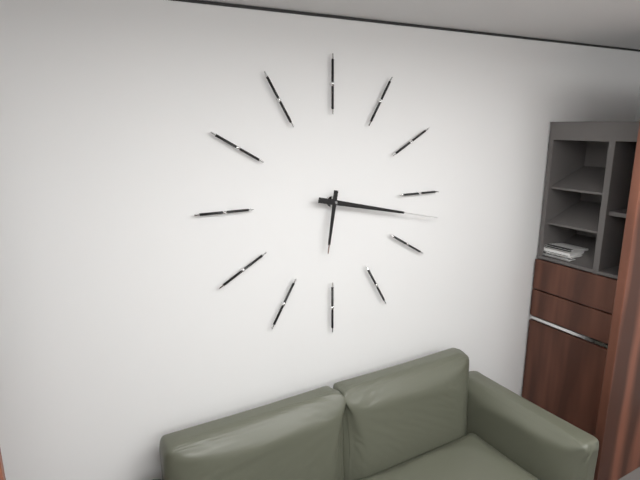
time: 6:17
